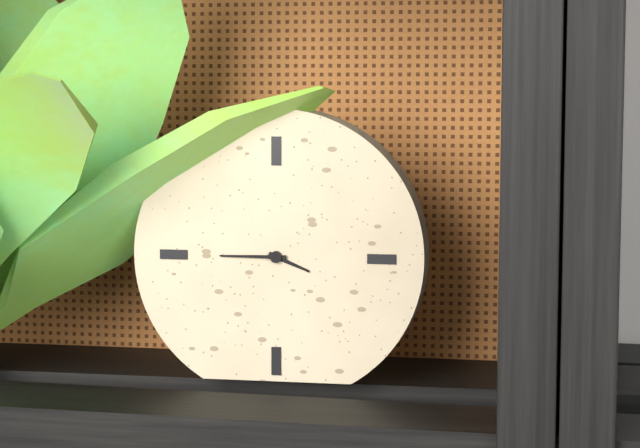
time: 3:45
